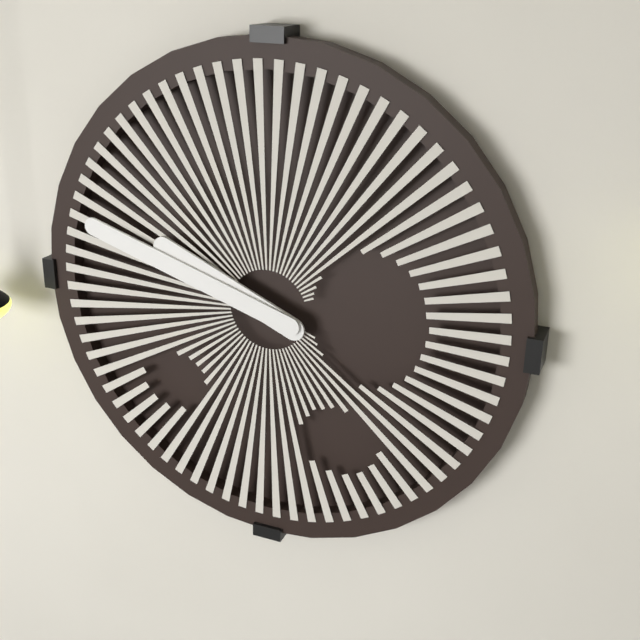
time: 9:48
